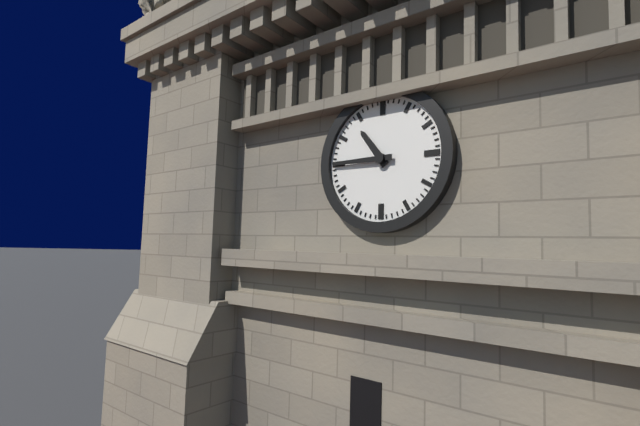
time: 10:45
